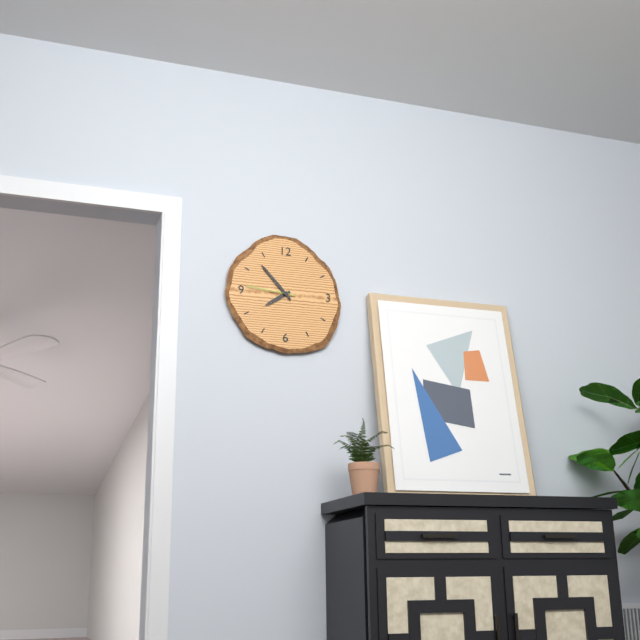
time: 7:53
